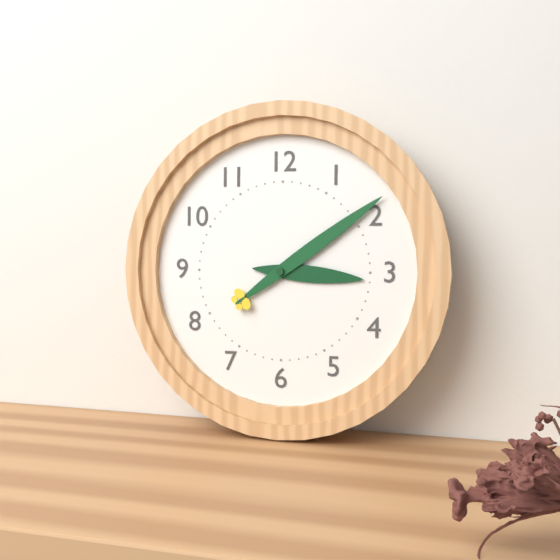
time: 3:09
